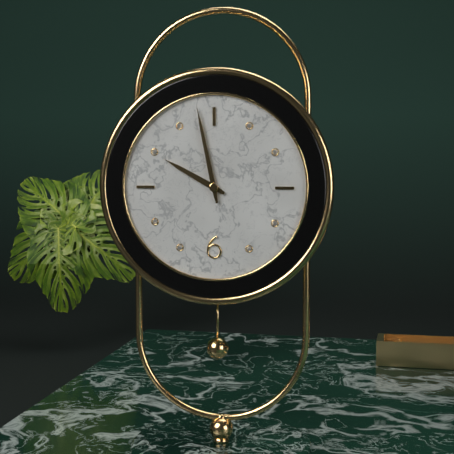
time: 9:58
